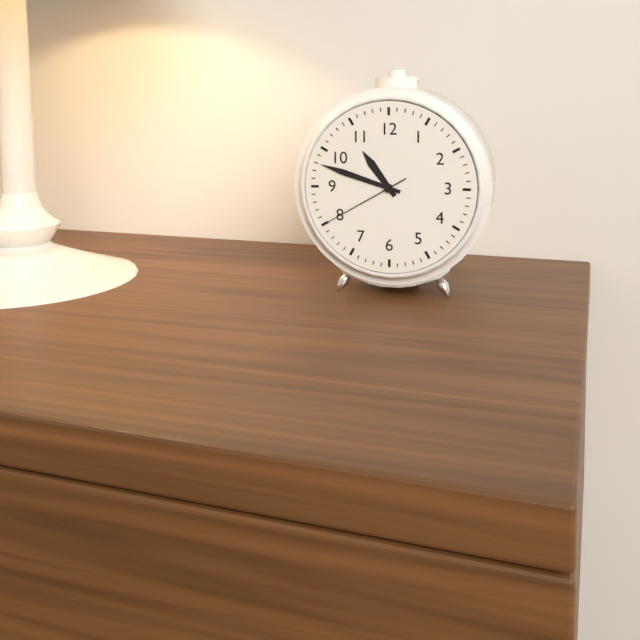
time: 10:48:40
